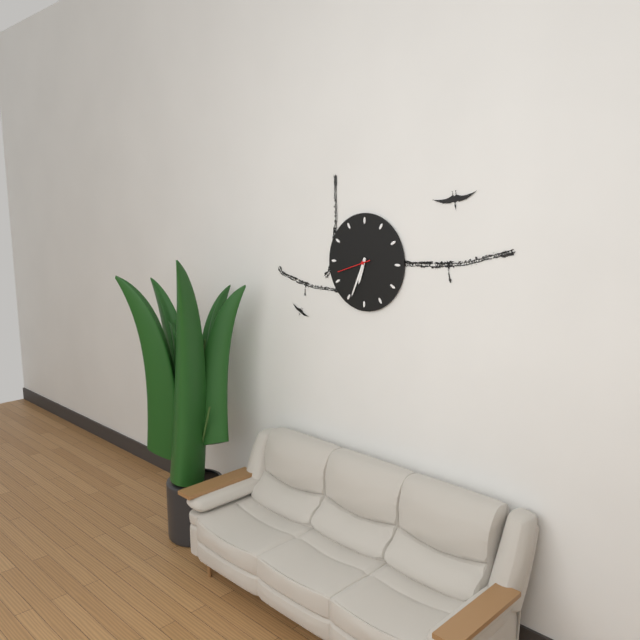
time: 6:34
